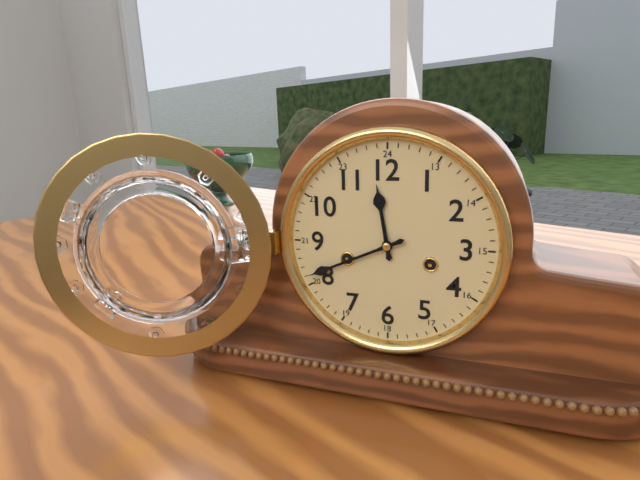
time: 11:41
